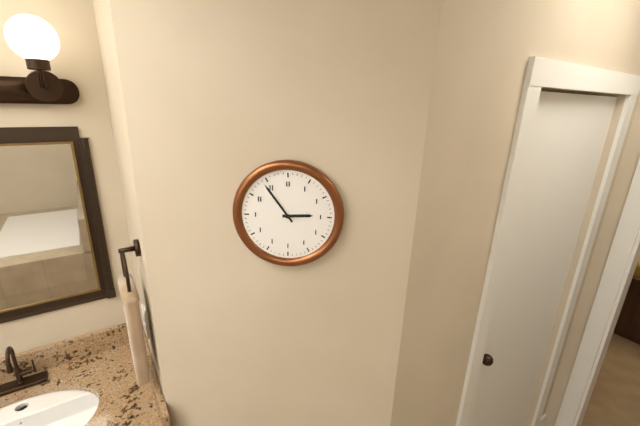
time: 2:54
